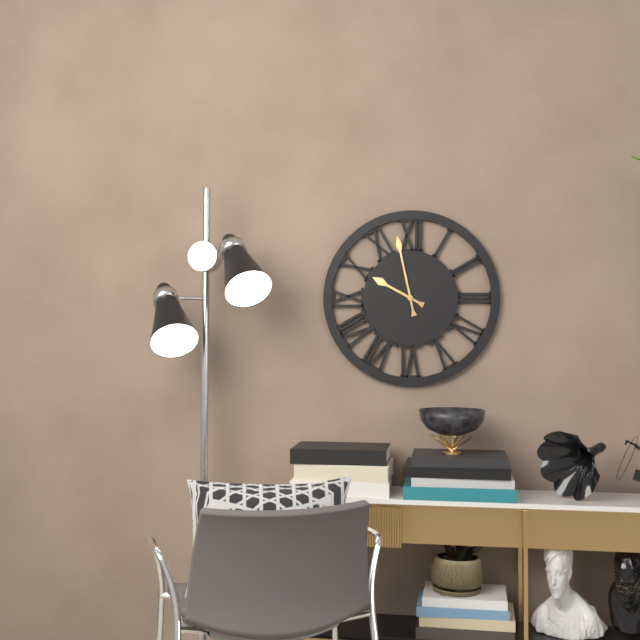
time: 9:58
